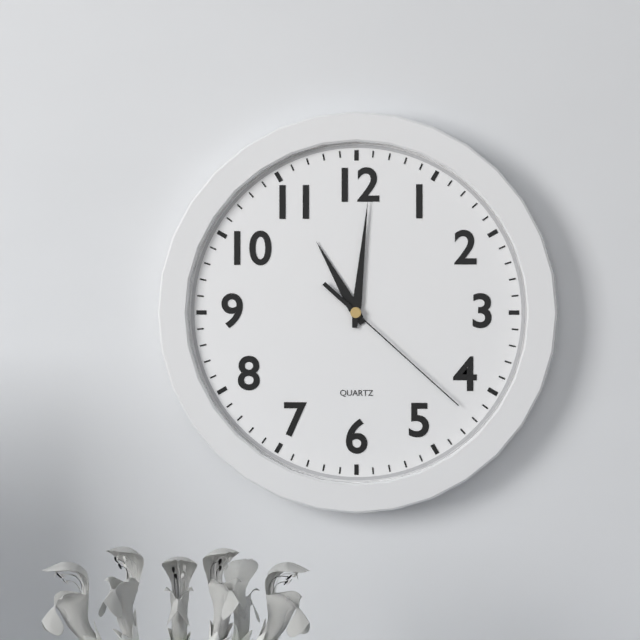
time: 11:01:22
